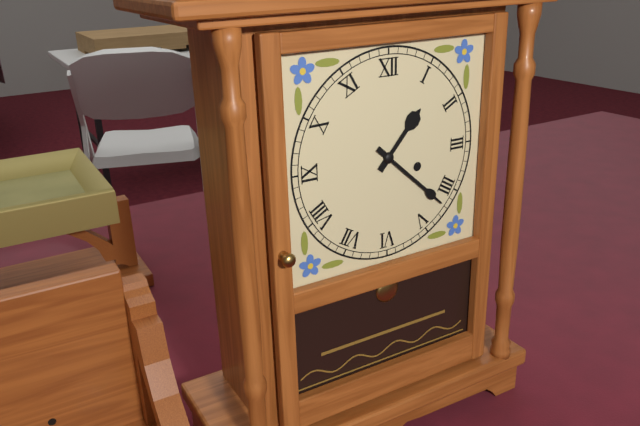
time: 1:22
